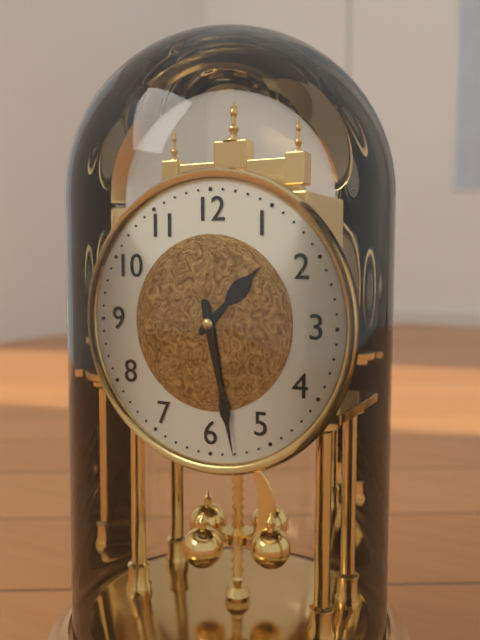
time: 1:28
